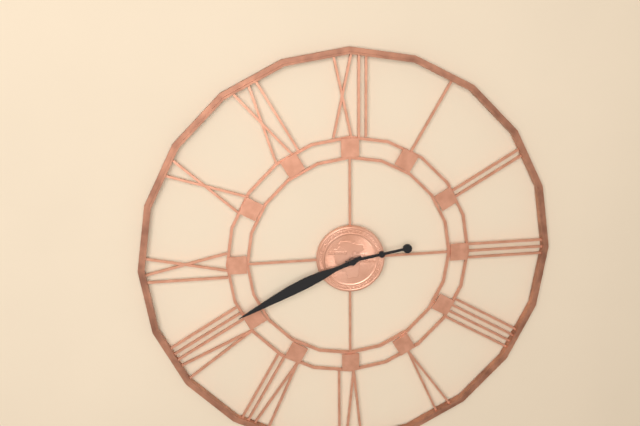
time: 2:41
